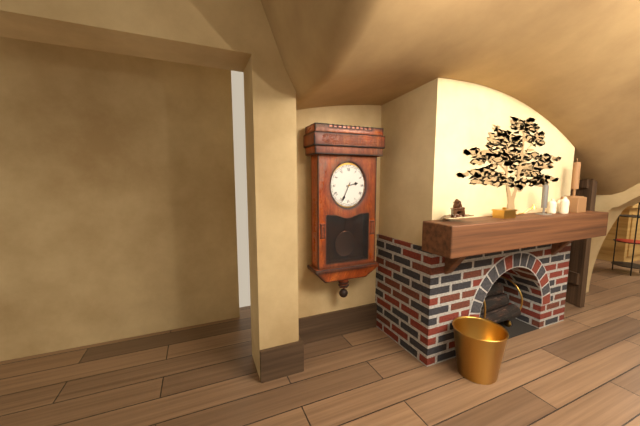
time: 2:34
